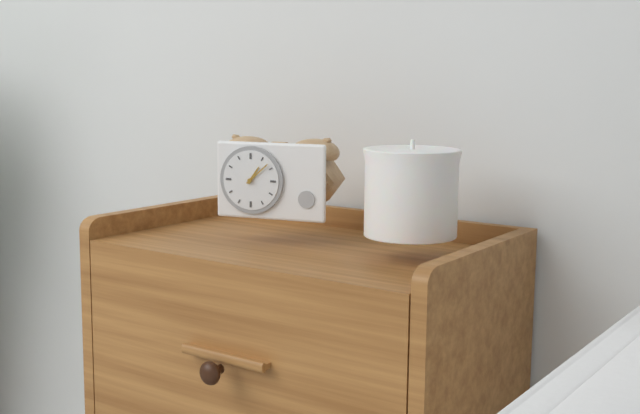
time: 1:08
